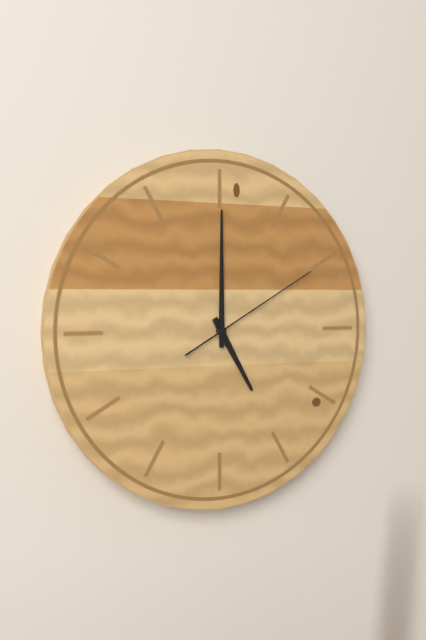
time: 5:00:10
